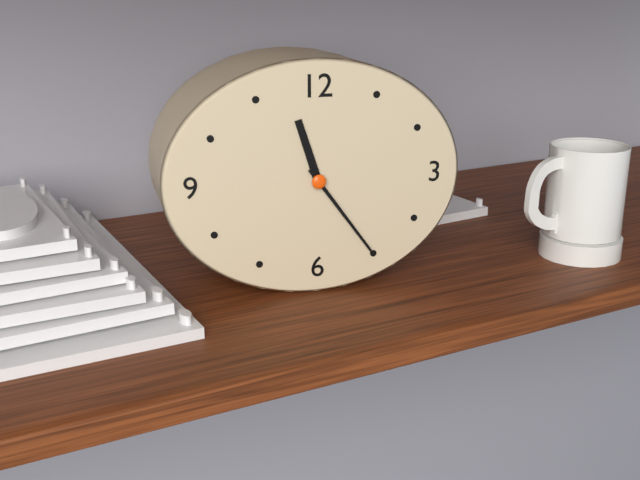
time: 11:24
